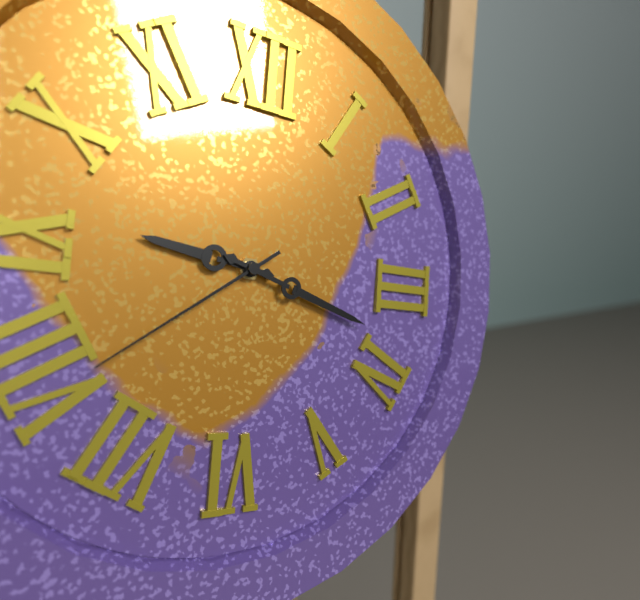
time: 9:18:39
